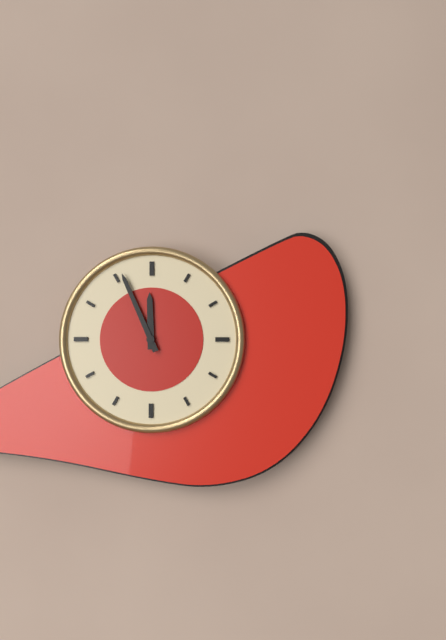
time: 11:56
